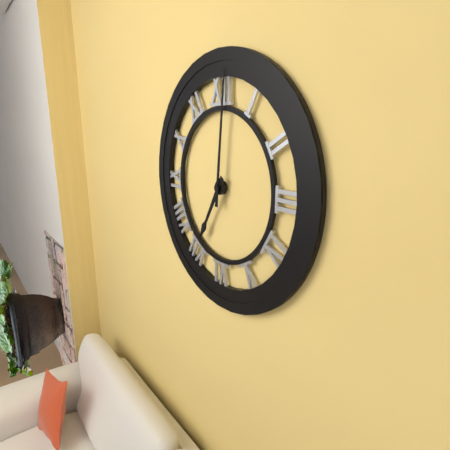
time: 7:01
